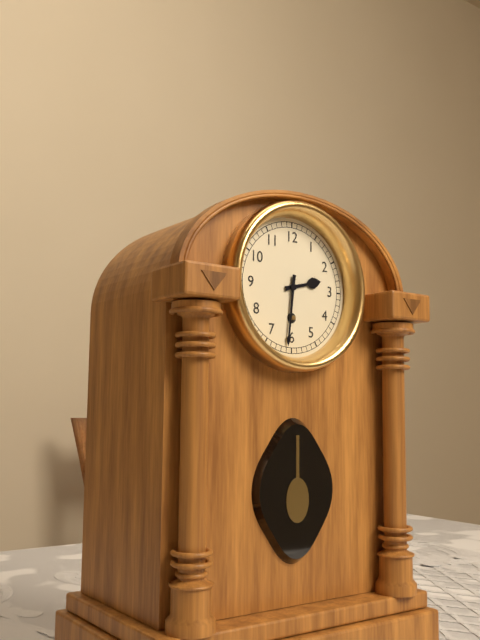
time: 2:31
